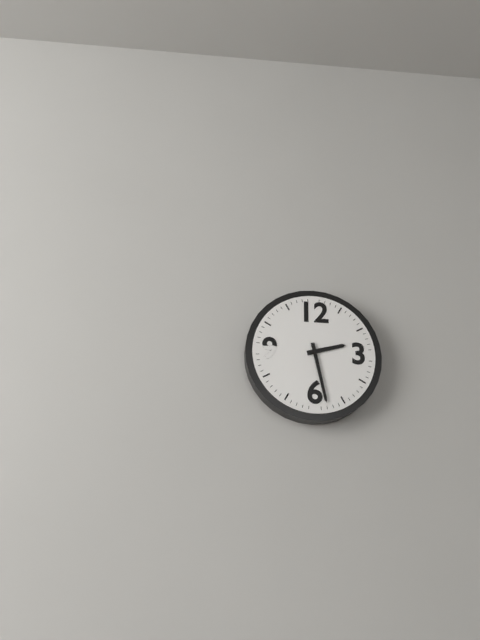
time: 2:28
